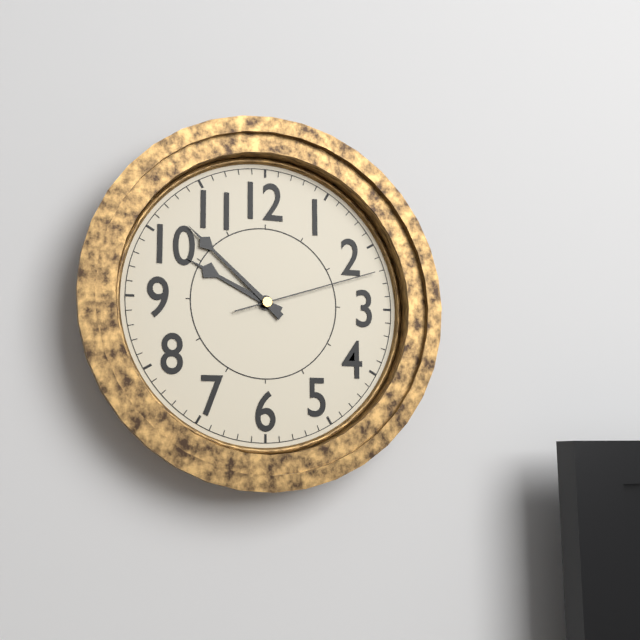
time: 9:52:12
